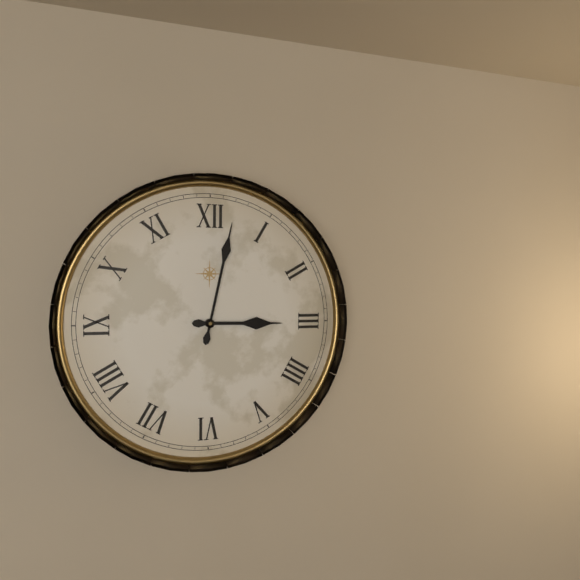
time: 3:02
